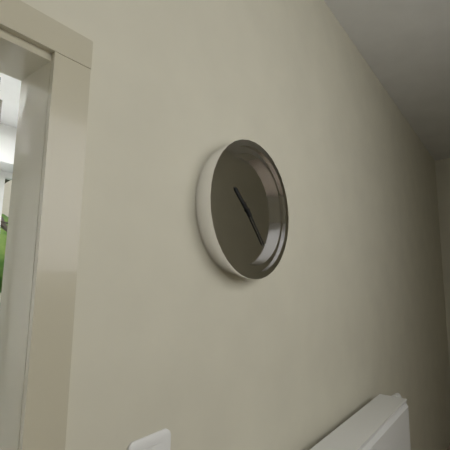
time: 10:23
